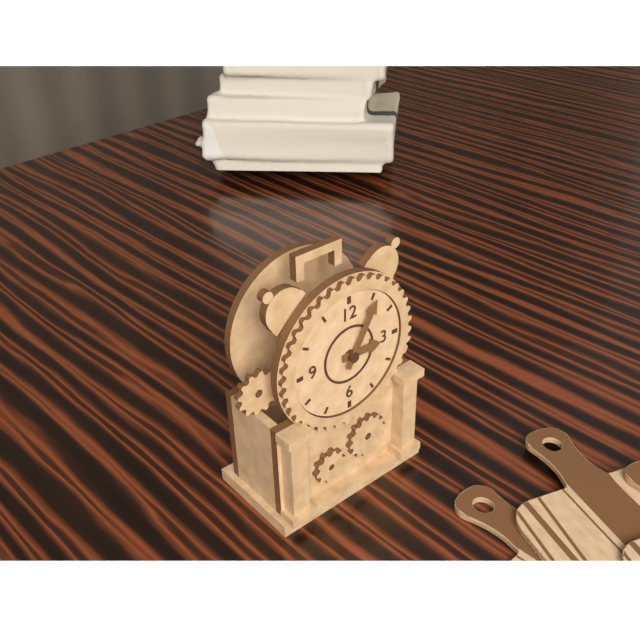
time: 3:05
